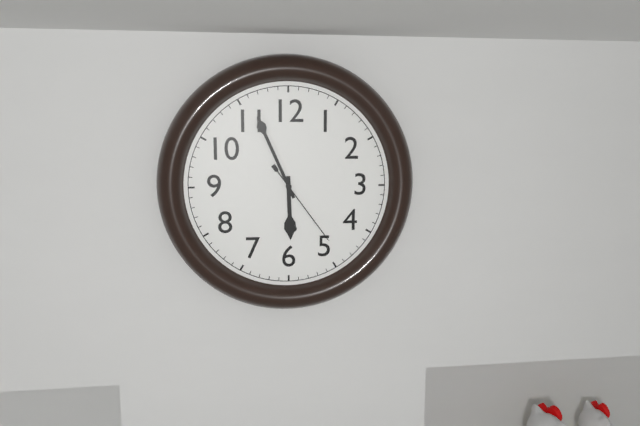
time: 5:56:24
